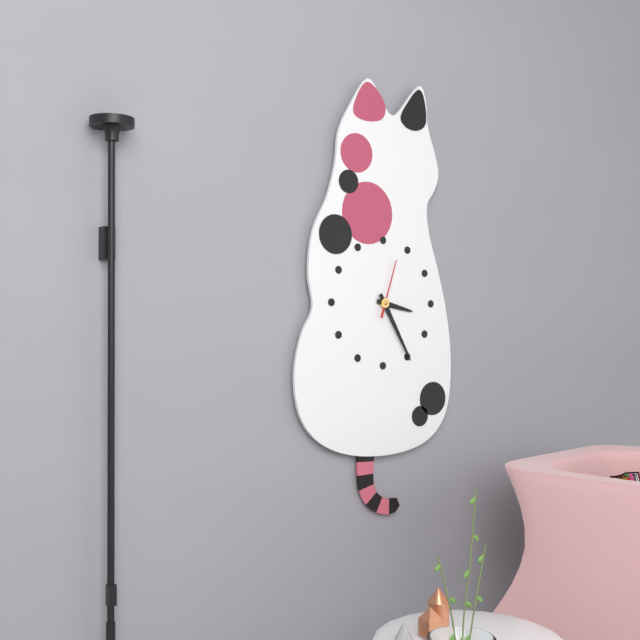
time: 3:25:03
